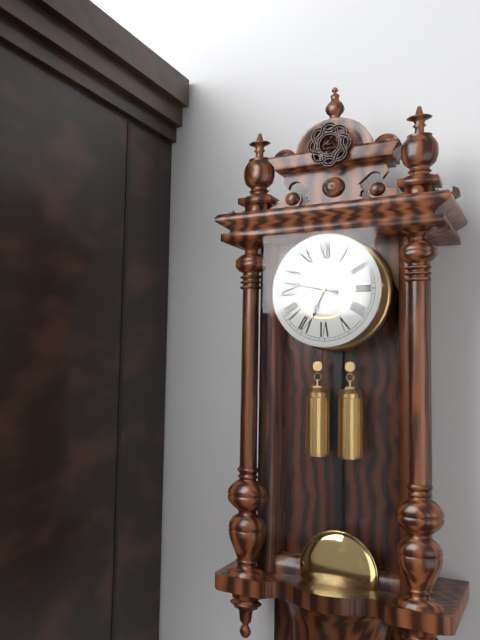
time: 6:47
